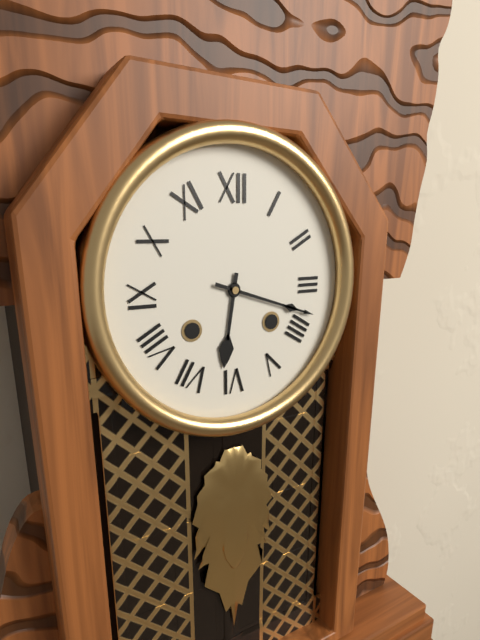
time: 6:18
